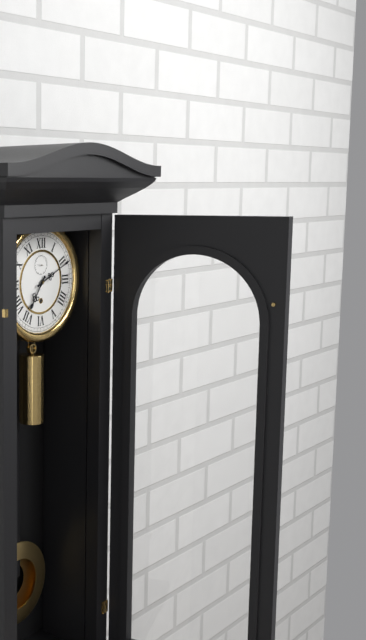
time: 7:11
